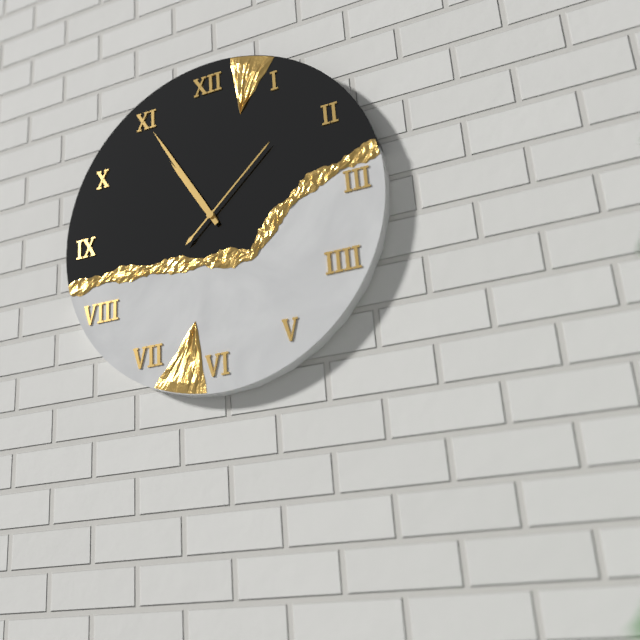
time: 10:55:08
